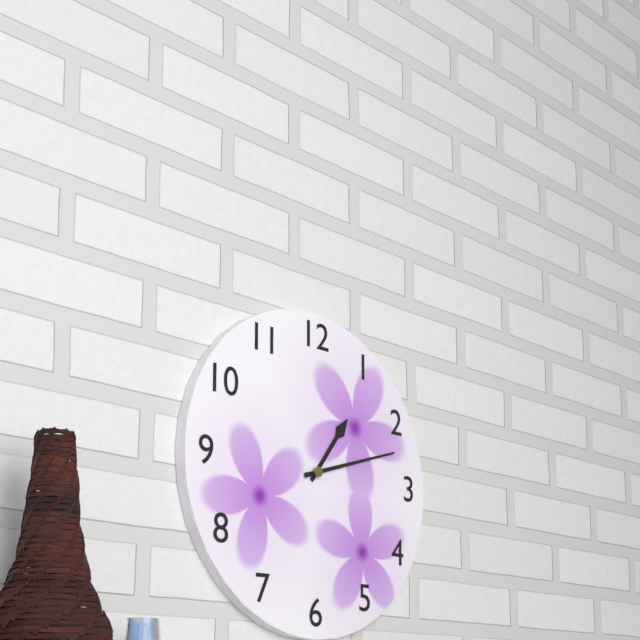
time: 1:12
